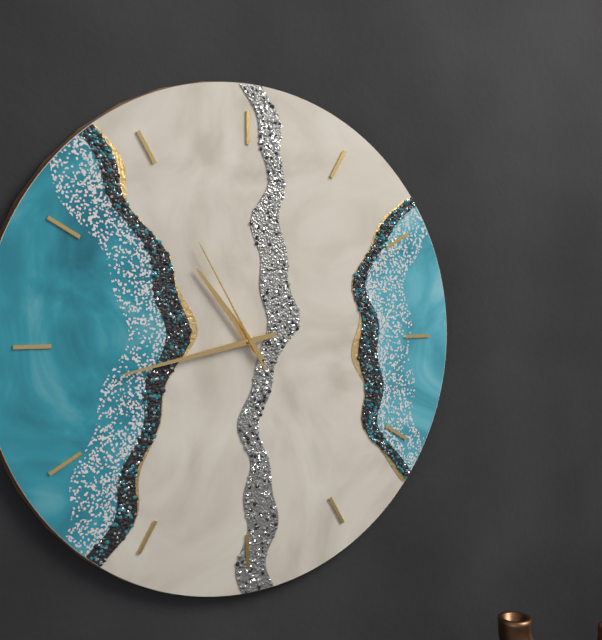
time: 10:43:55
